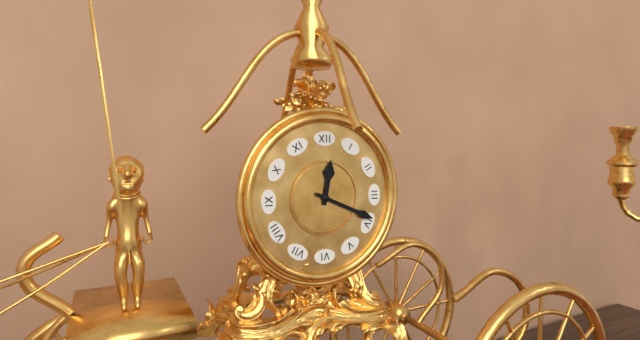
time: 12:19
